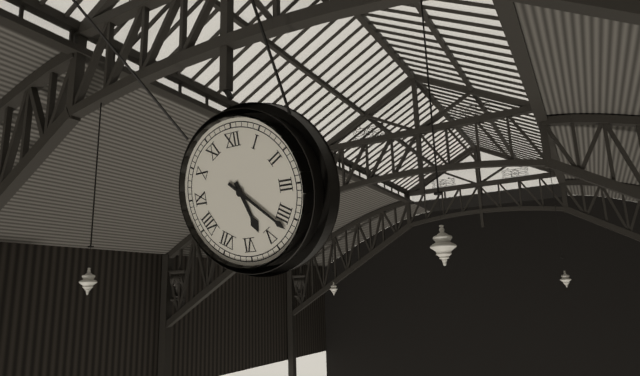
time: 5:22
